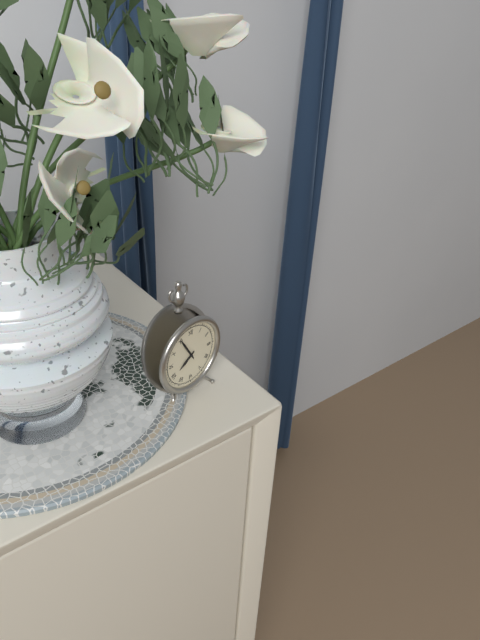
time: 7:55
